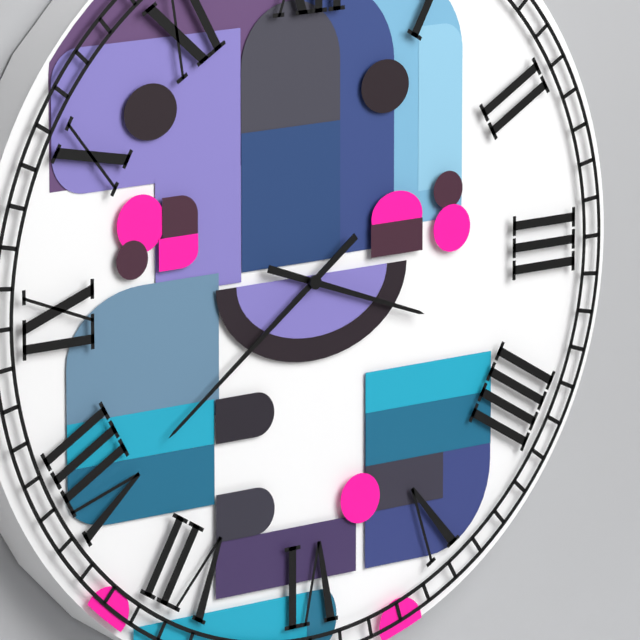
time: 3:39
